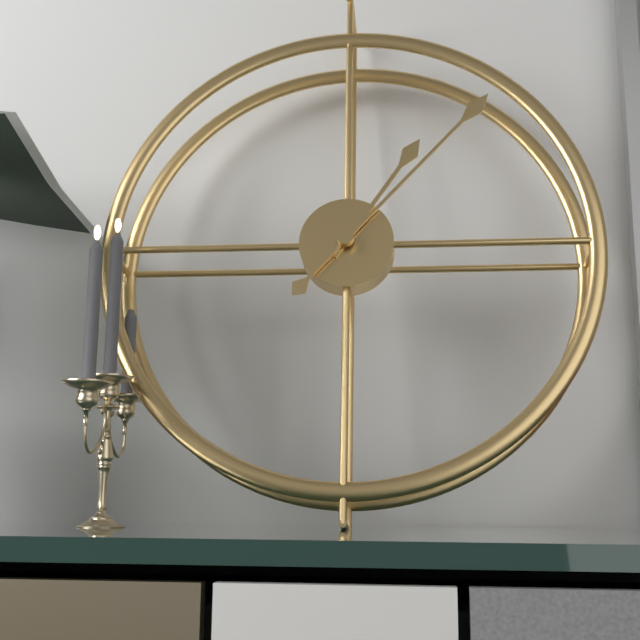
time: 1:07
